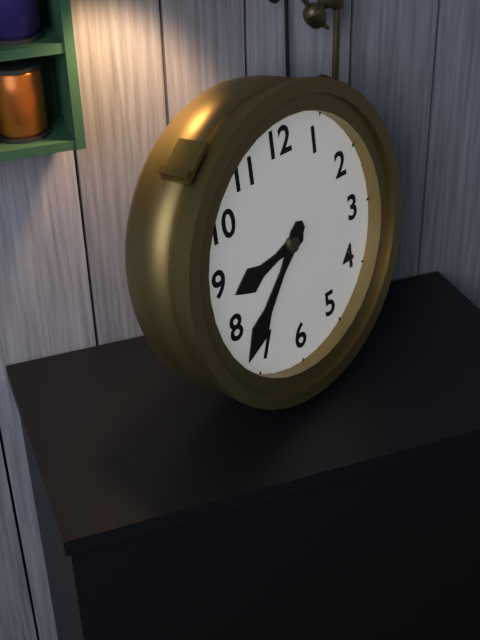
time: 8:37
